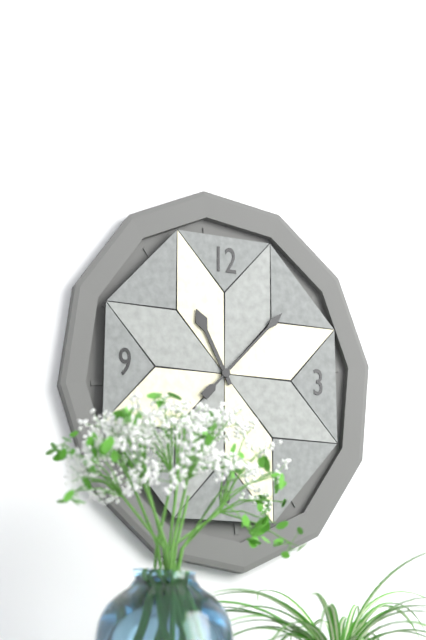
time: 11:07
